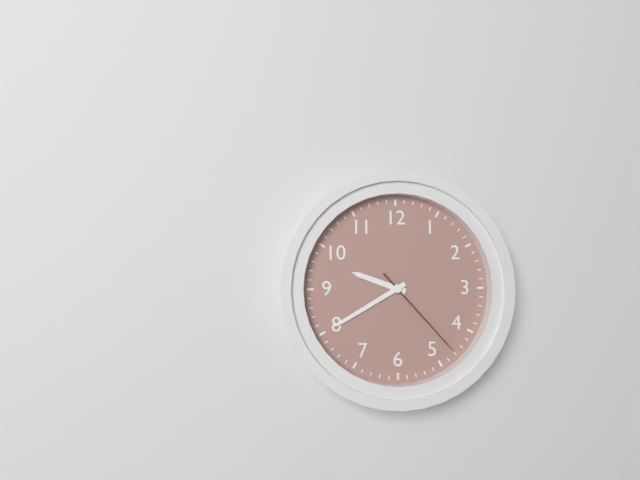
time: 9:40:23
